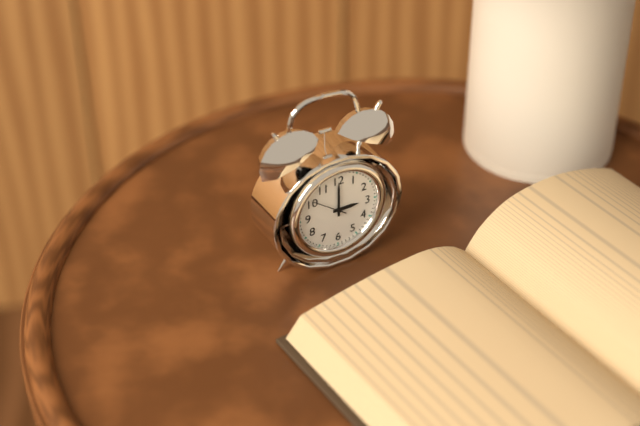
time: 3:00
